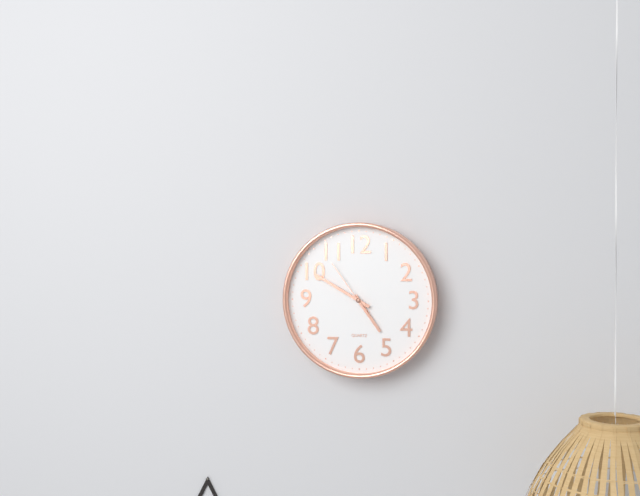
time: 4:50:54
